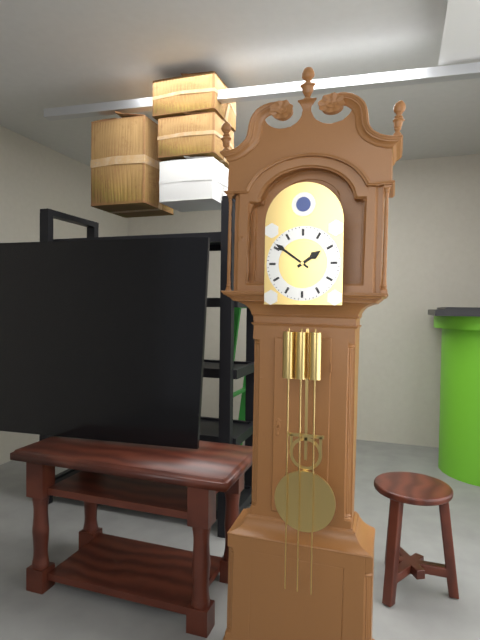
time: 1:51
